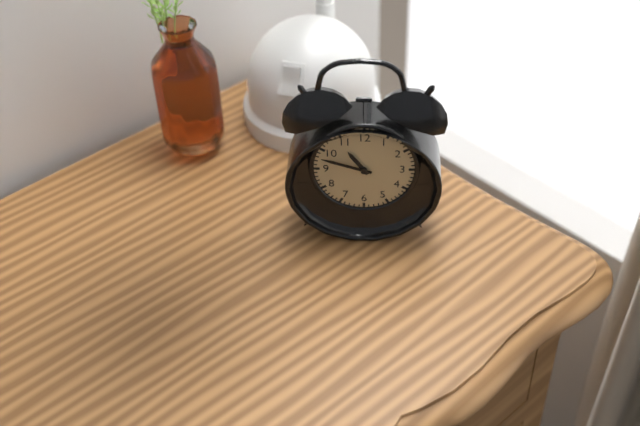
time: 10:48
